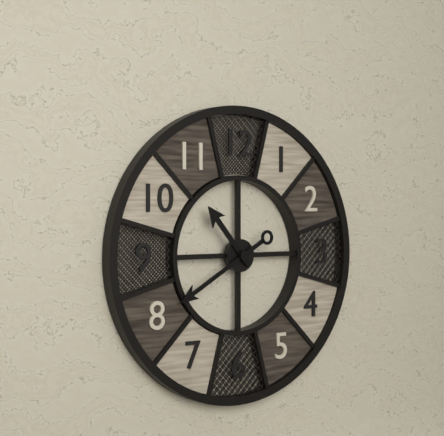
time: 10:40
